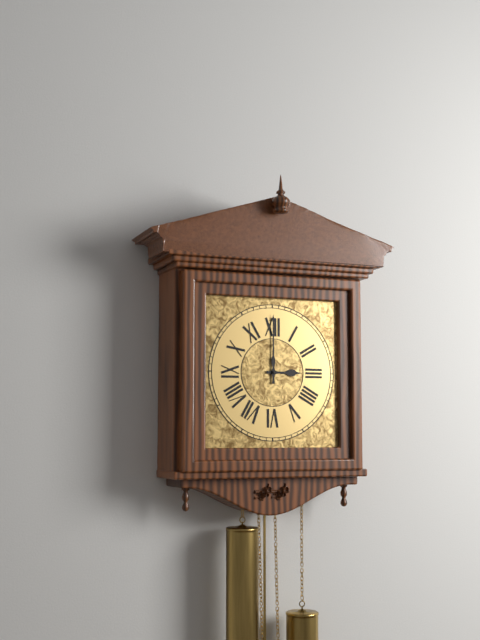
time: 3:00
